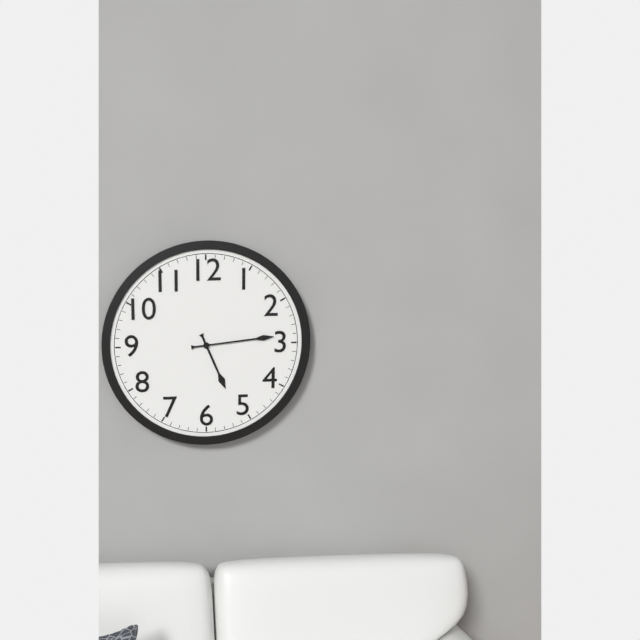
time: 5:14
